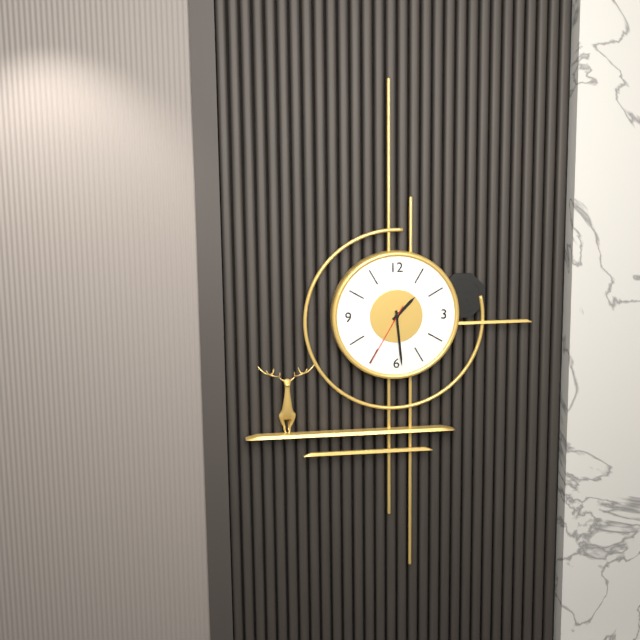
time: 1:29:35
